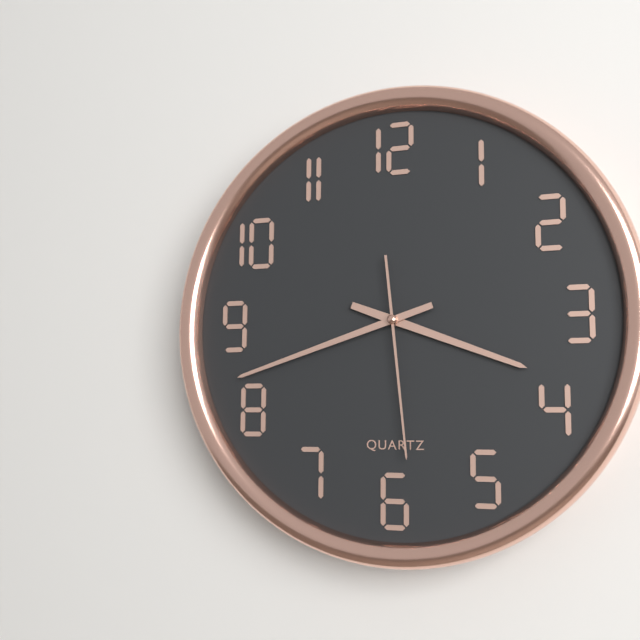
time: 3:42:29
